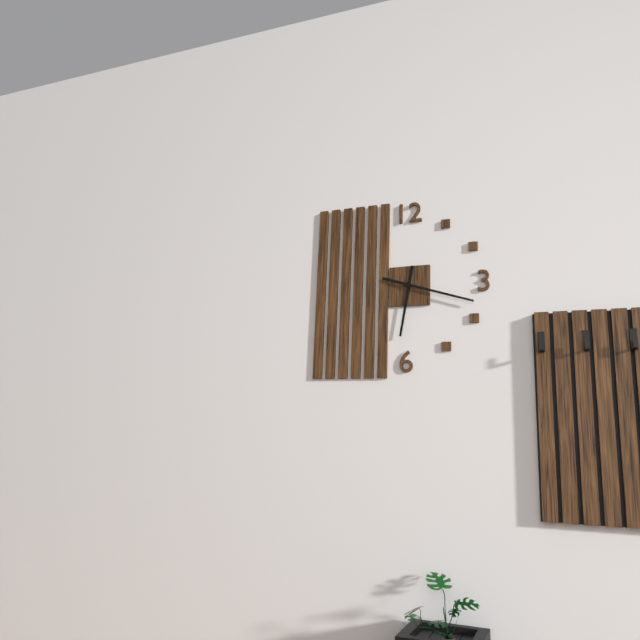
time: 6:18
